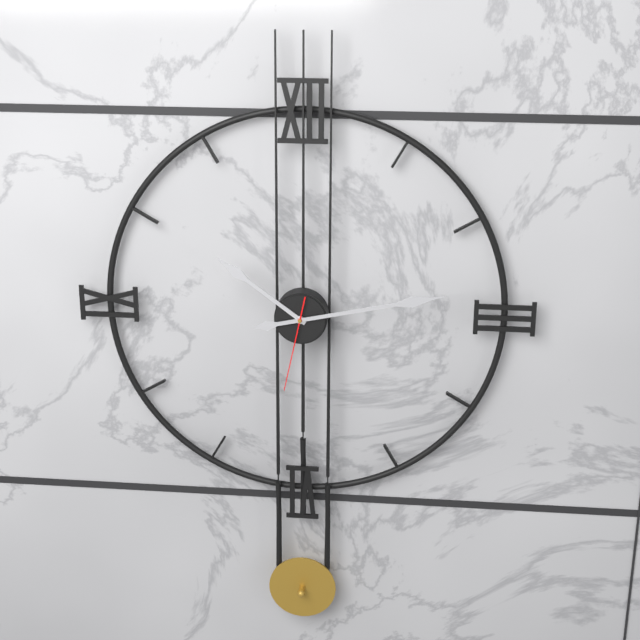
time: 10:13:32
